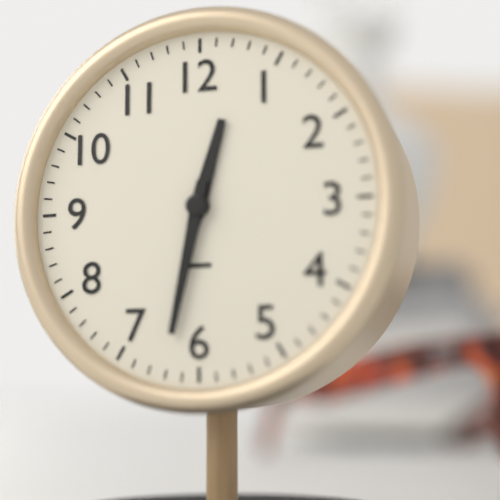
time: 12:32
